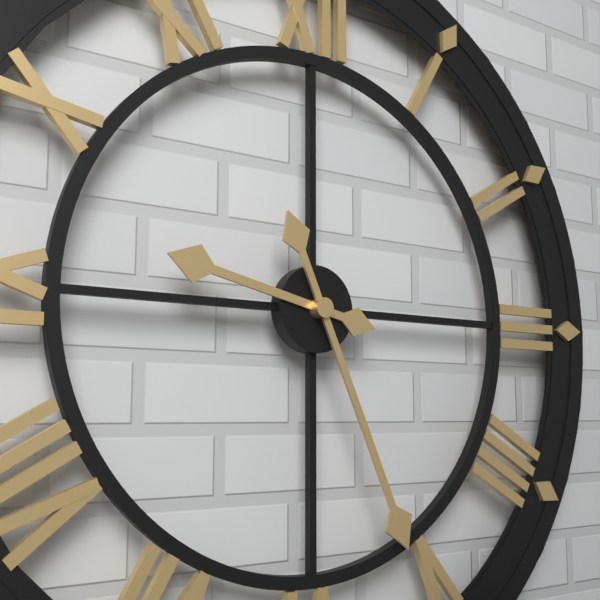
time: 9:26
